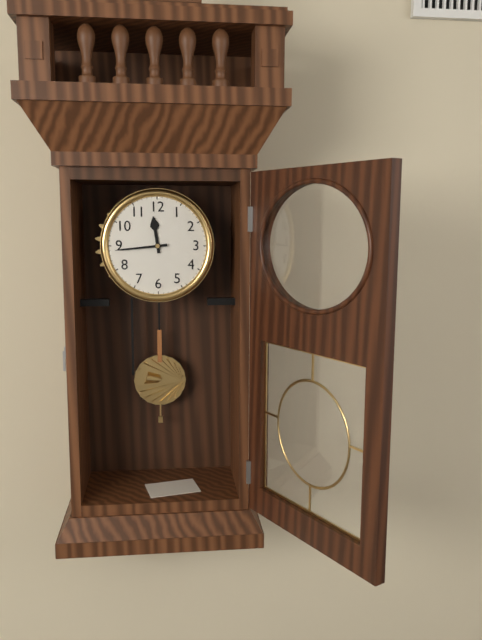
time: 11:44
